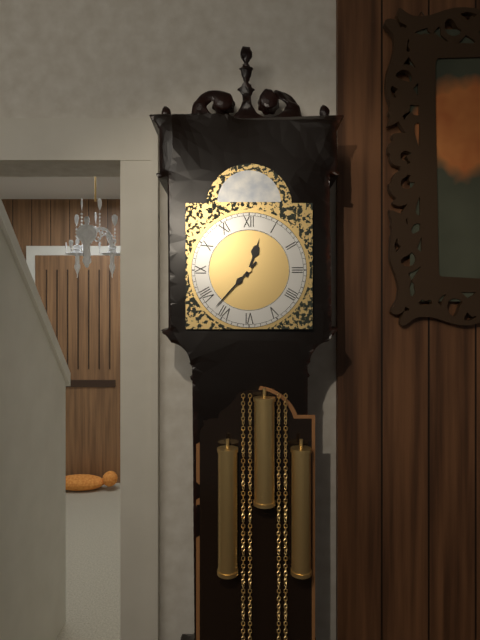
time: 12:37
